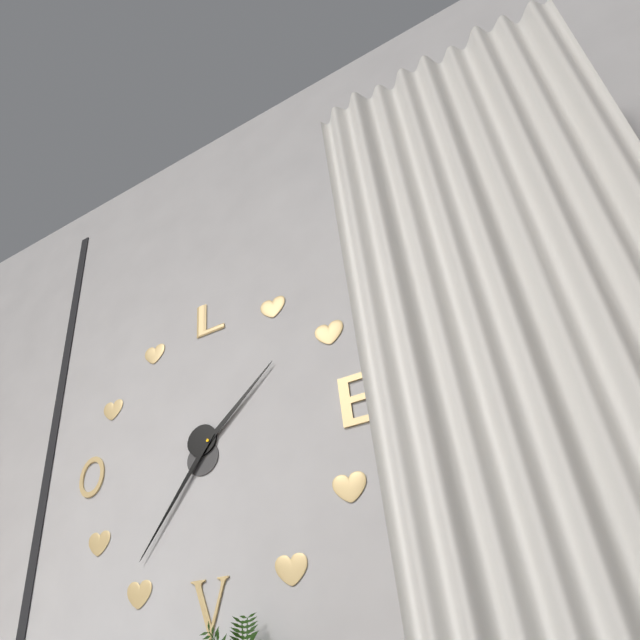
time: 1:36
